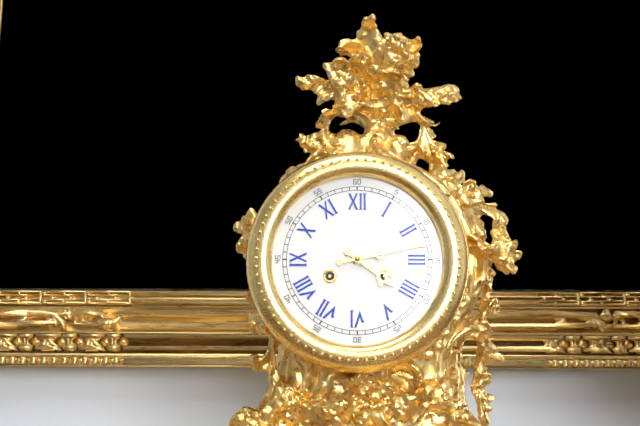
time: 4:13
